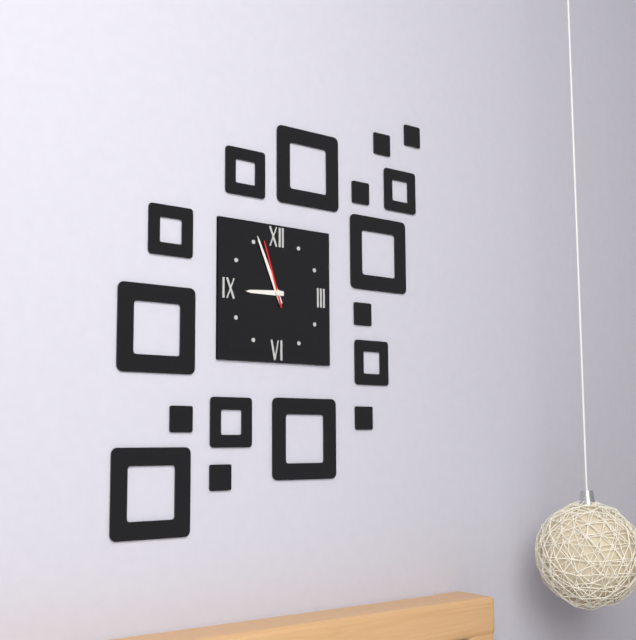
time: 8:56:57
